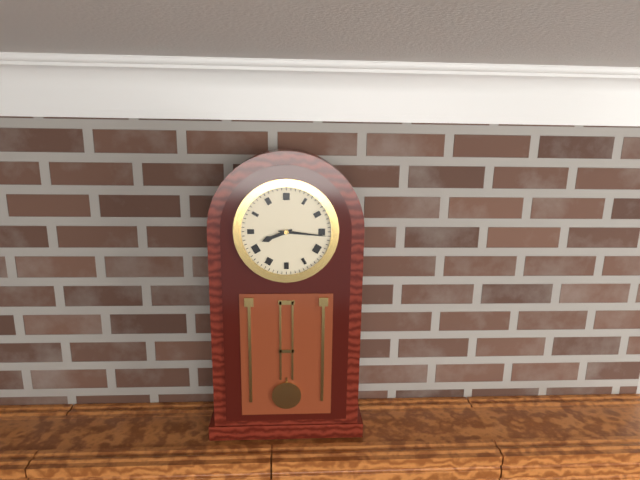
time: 8:16
